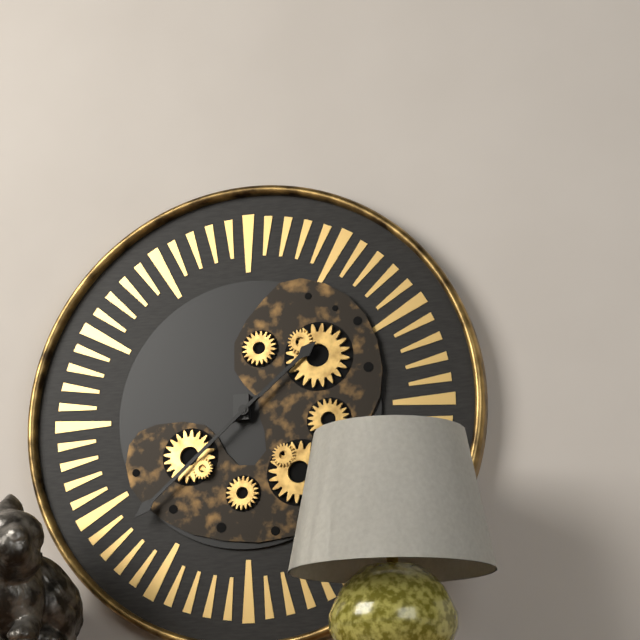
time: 1:38
